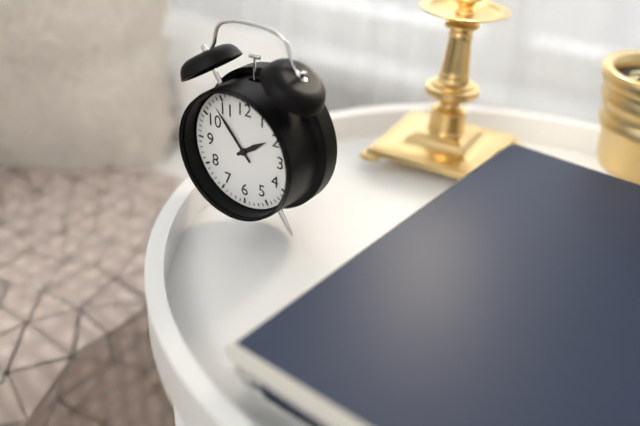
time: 1:53
